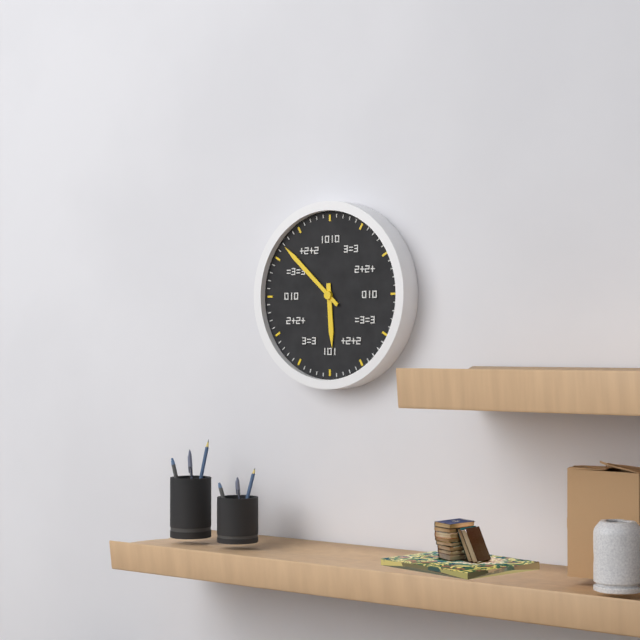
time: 5:52
